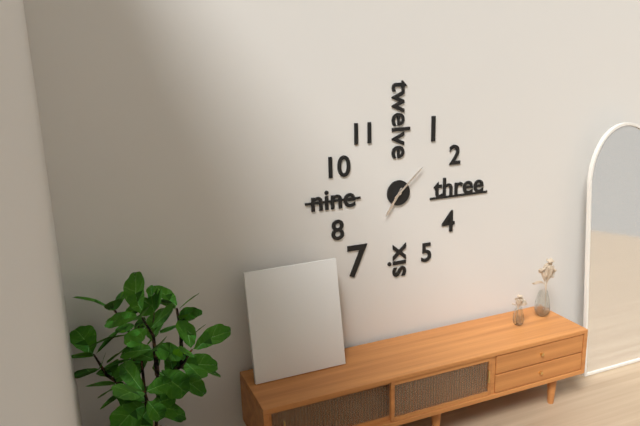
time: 7:08
